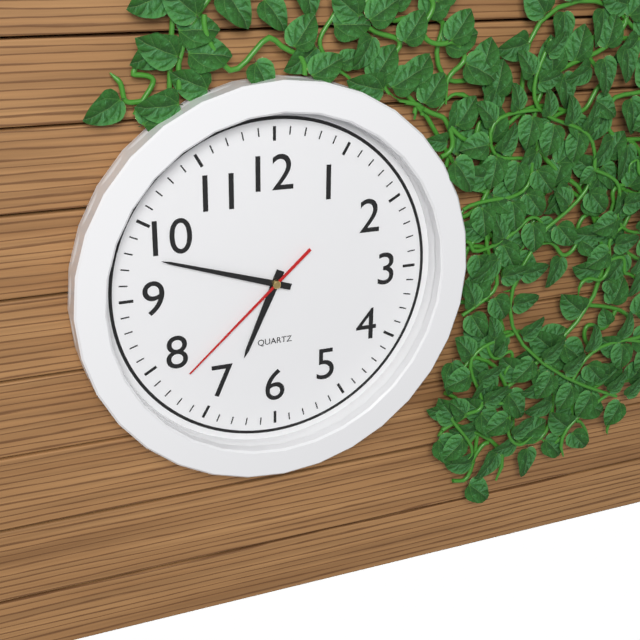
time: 6:48:38
